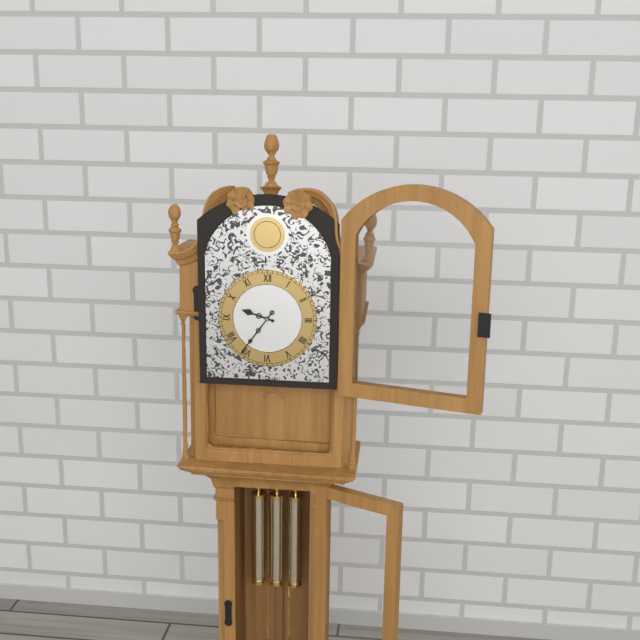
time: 9:36
